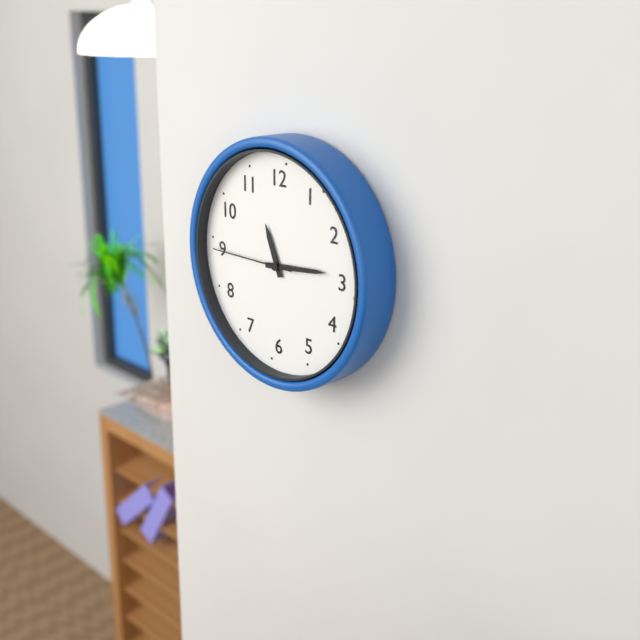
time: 11:14:45
